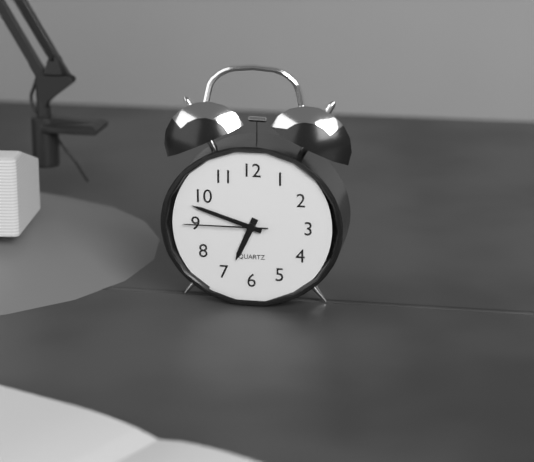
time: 6:48:45
